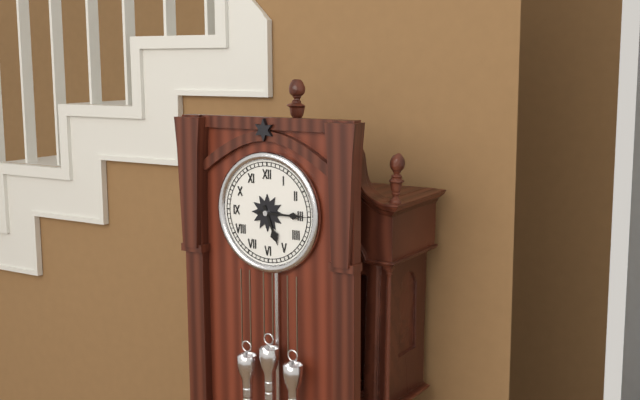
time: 5:15
